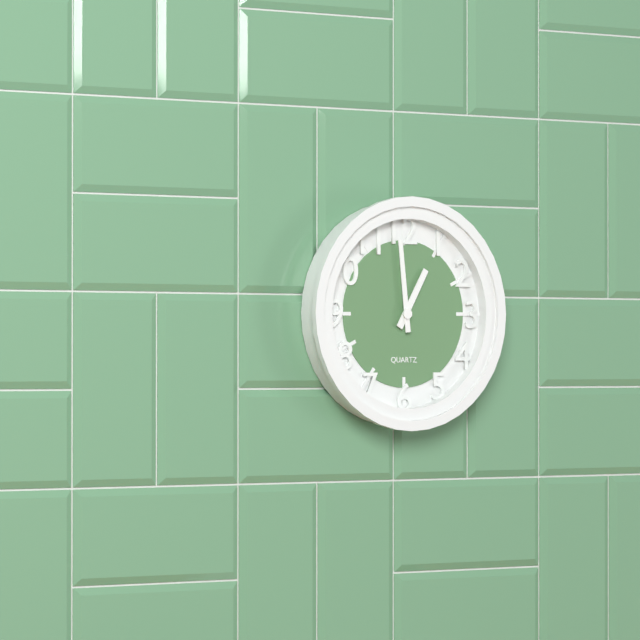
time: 12:59
